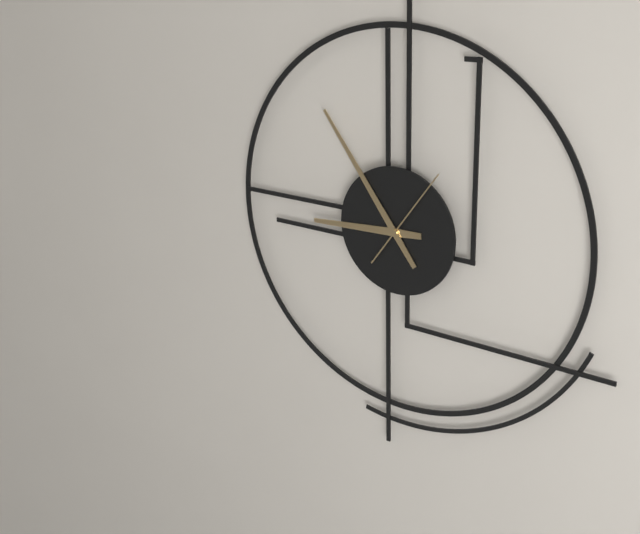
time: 8:54:06
